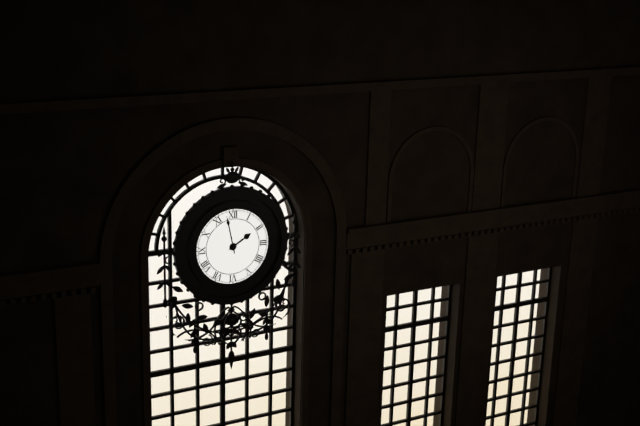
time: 1:58
